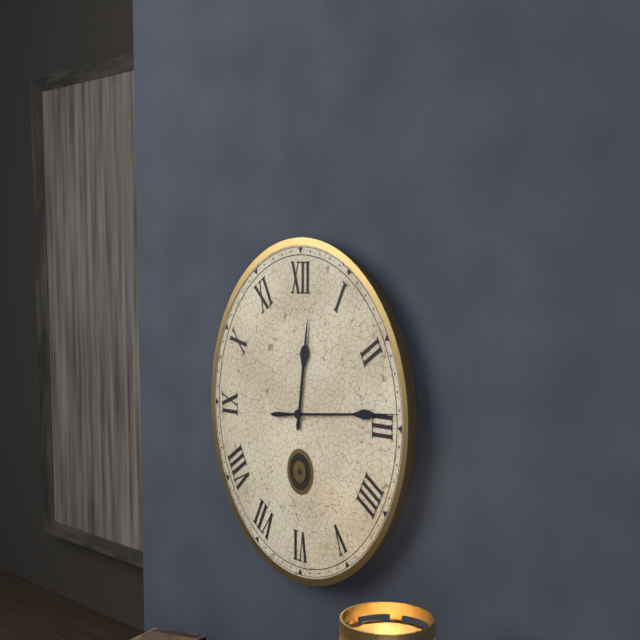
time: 12:14
